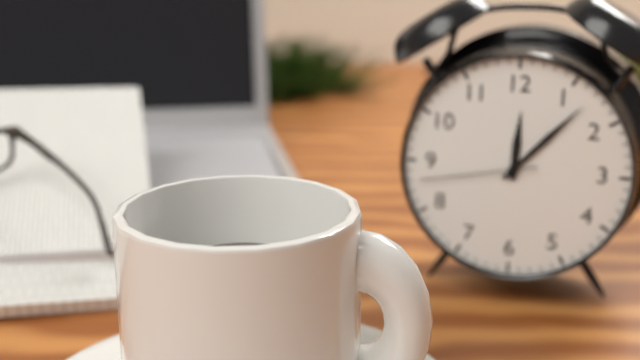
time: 12:07:43
